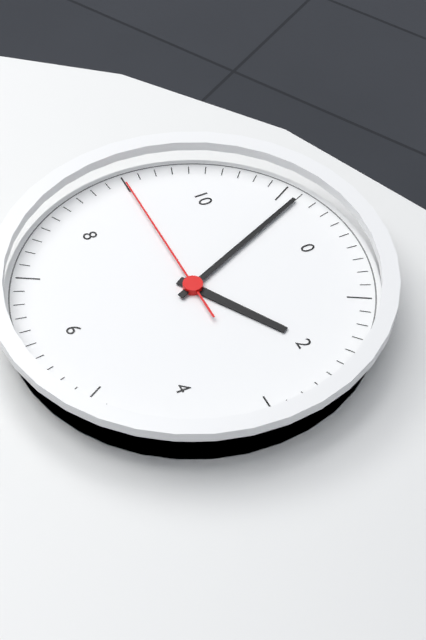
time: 1:56:45
